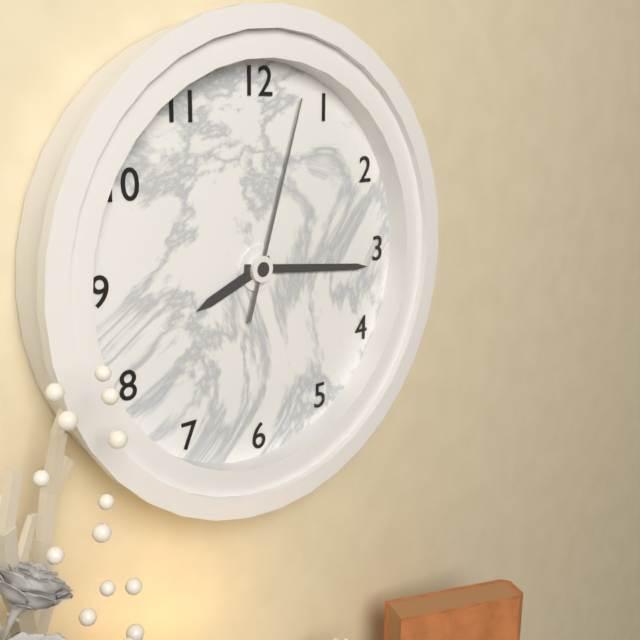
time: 8:16:03
